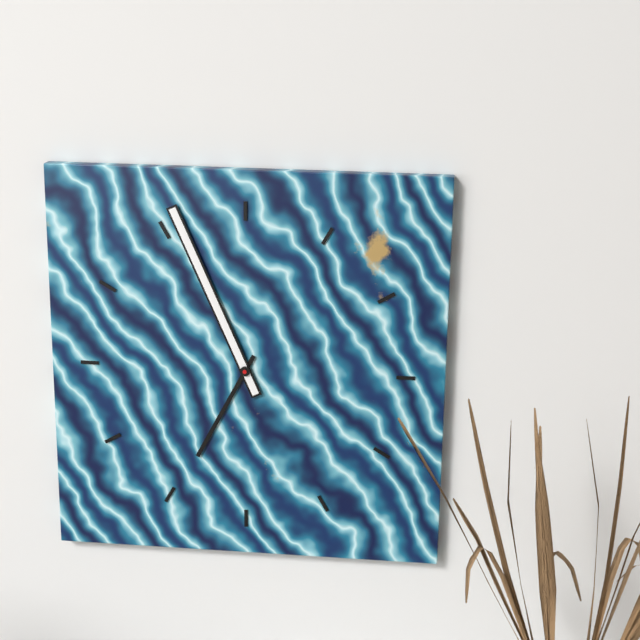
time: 6:56
